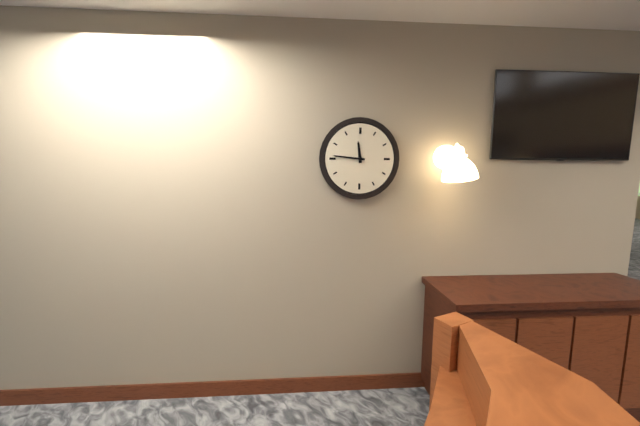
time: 11:46
